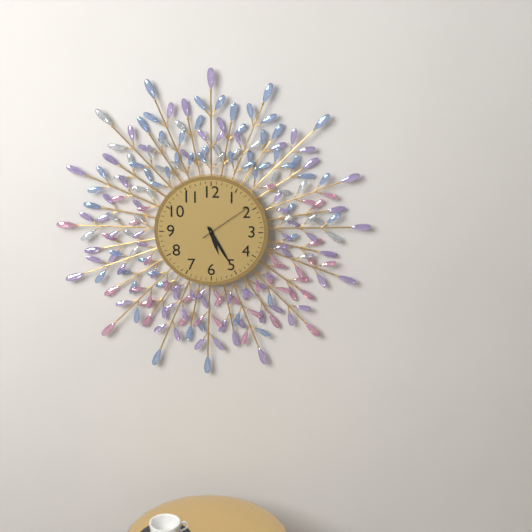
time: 5:25:09
